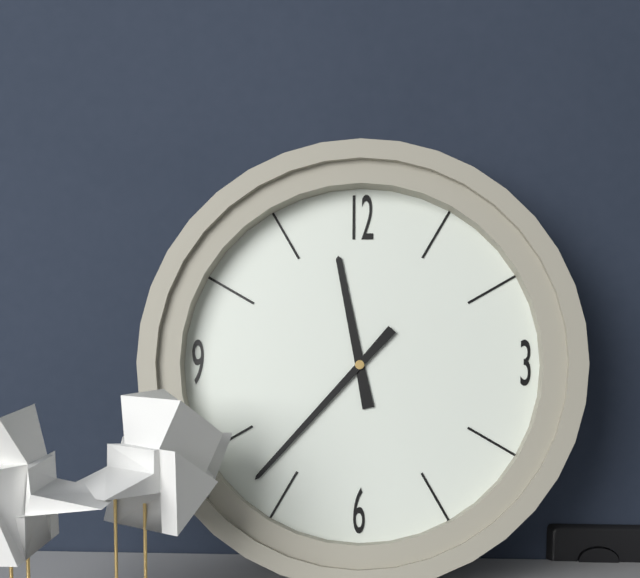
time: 11:37
